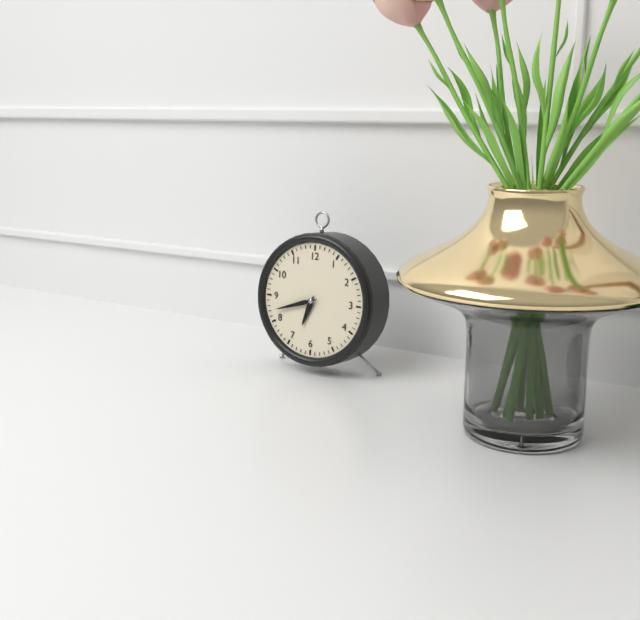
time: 6:42
